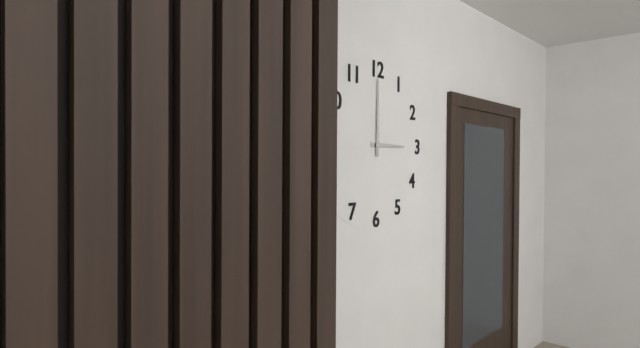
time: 3:00
